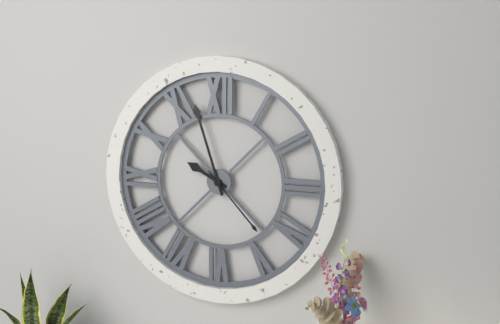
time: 9:57:23
